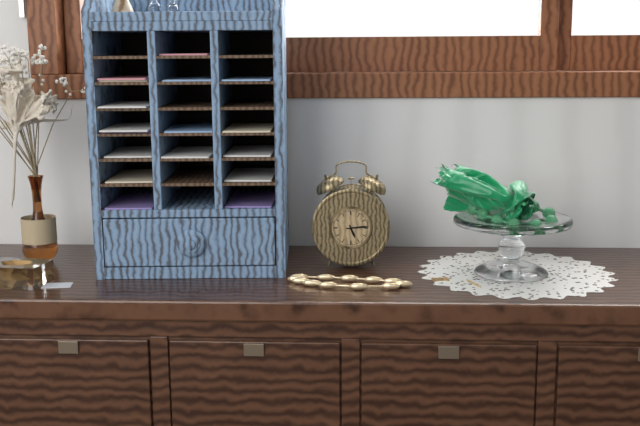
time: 5:14
